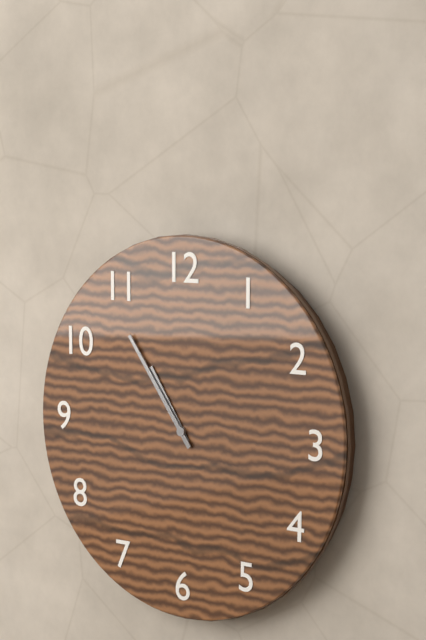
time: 10:54
